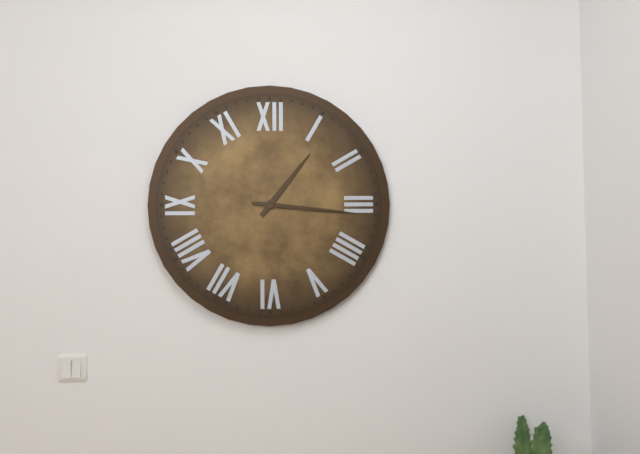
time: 1:16
